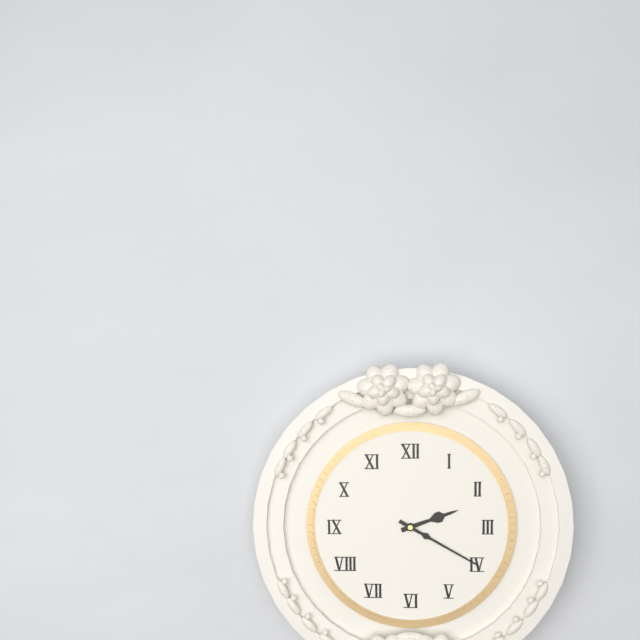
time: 2:20
